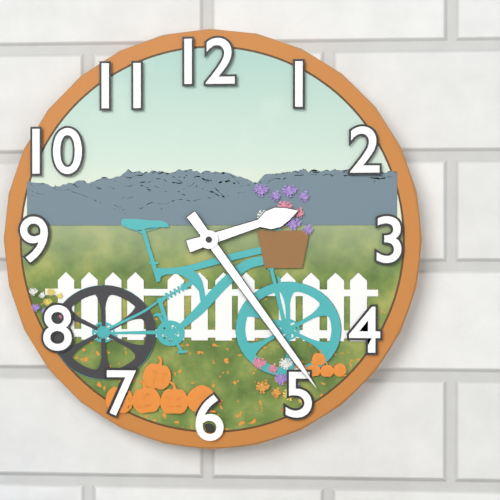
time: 2:24
